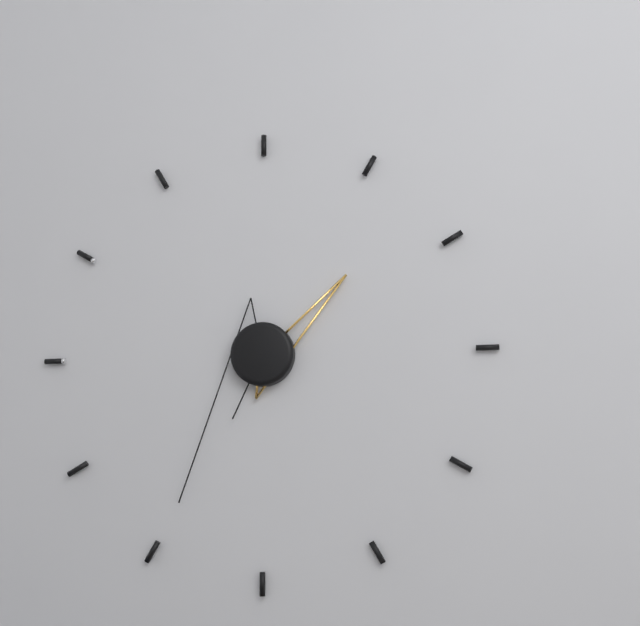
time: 1:35
